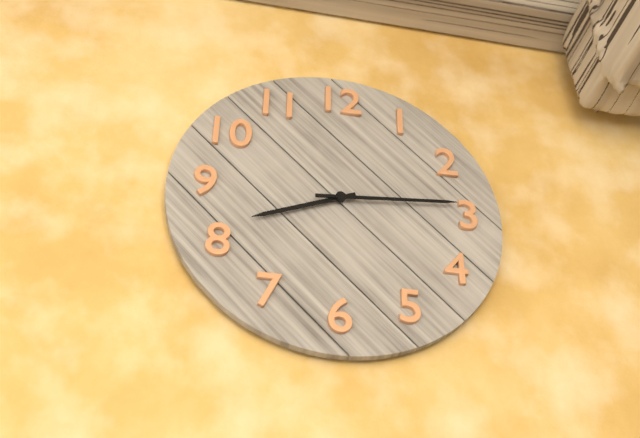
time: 8:14
